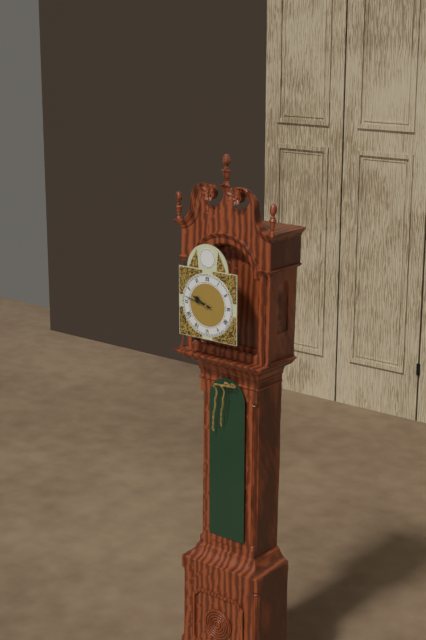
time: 9:47
